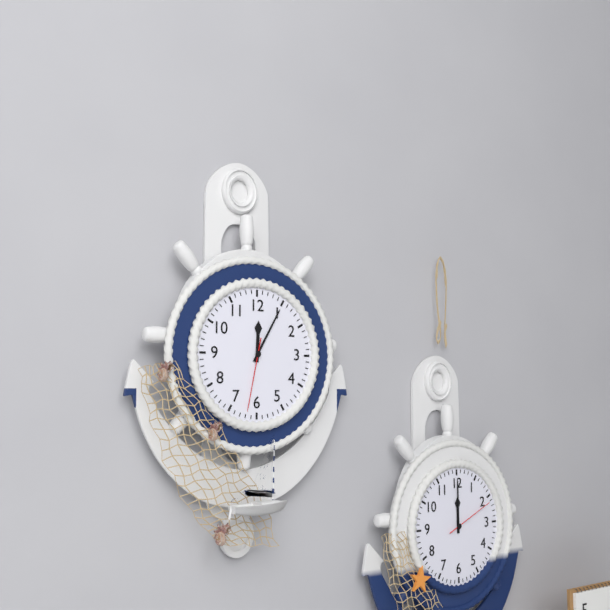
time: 12:05:32
